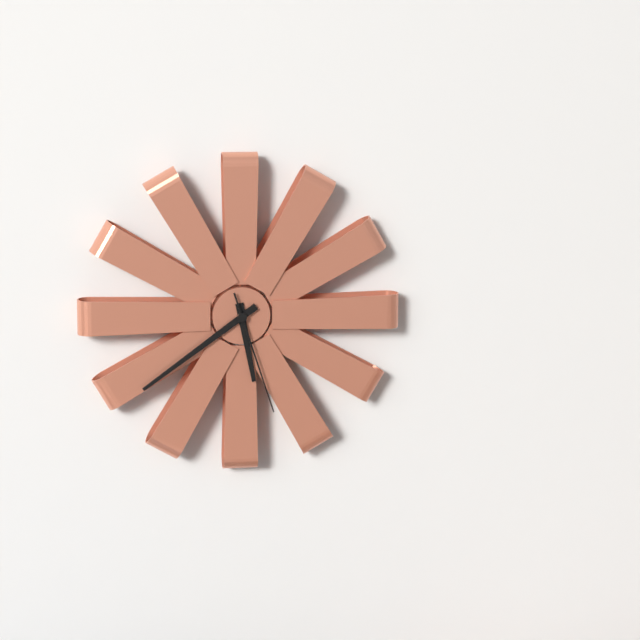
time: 5:39:27
